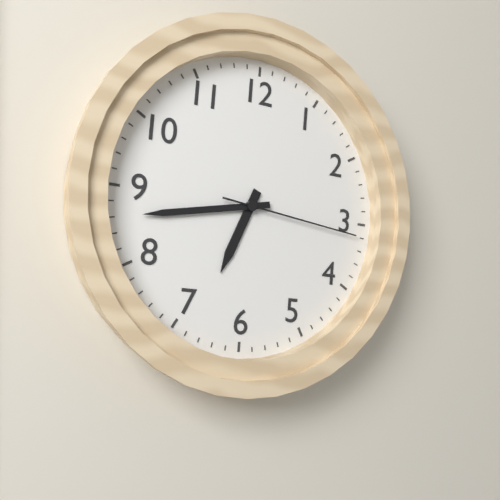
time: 6:43:16
